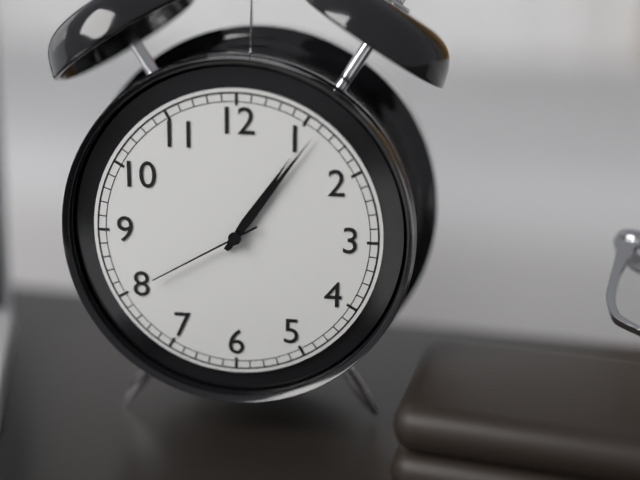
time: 1:06:40
